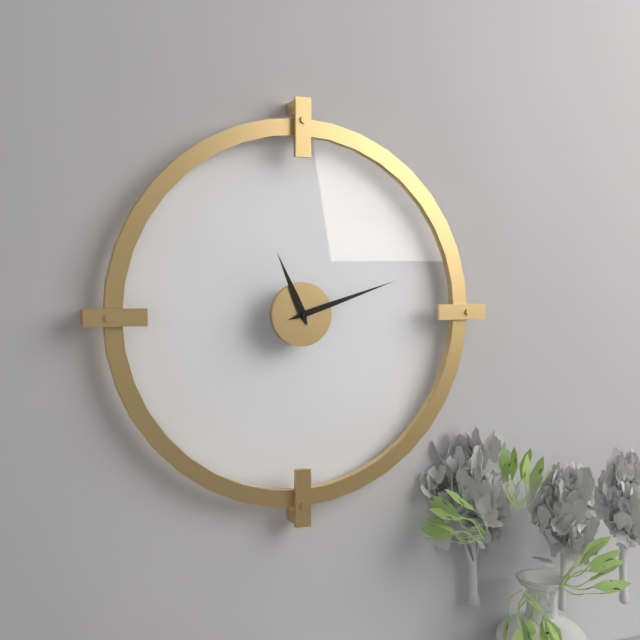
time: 11:12
